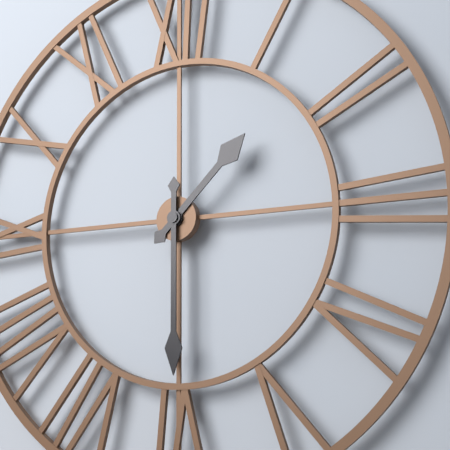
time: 1:30
